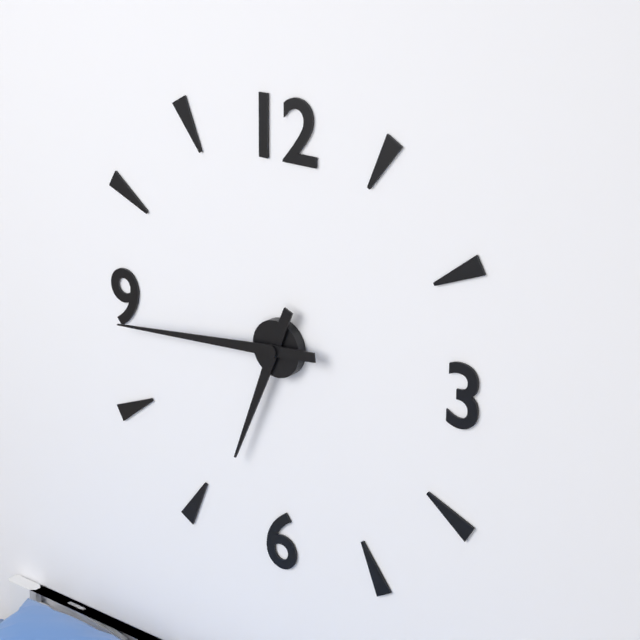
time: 6:44
